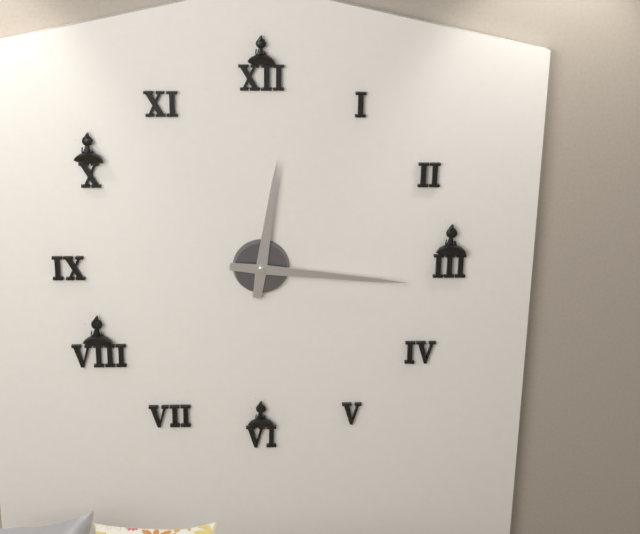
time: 12:16
